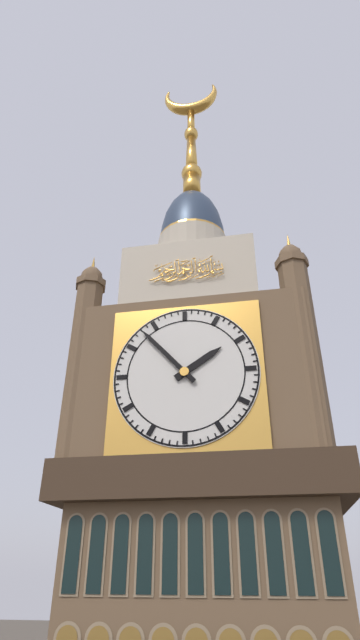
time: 1:53
